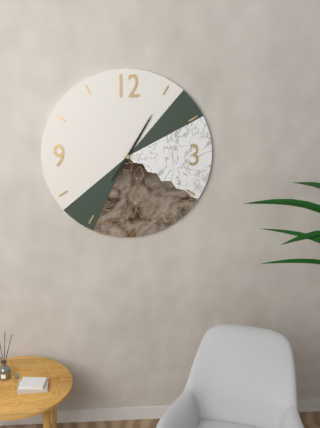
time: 7:05
